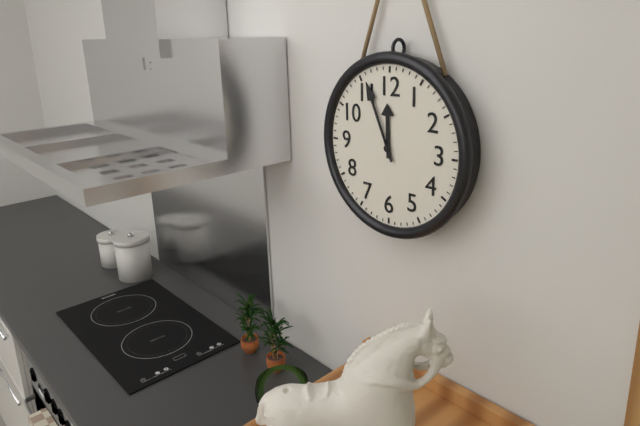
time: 11:56
